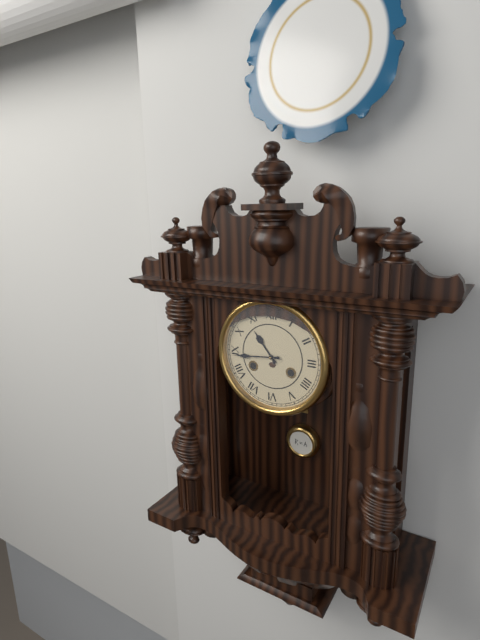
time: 10:44
